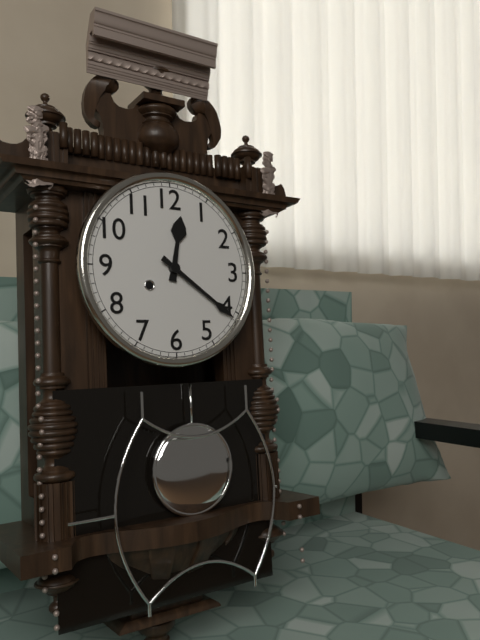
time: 12:21
